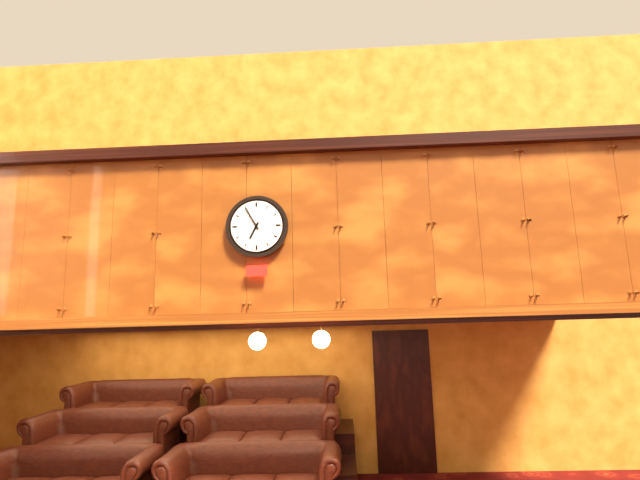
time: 6:55
